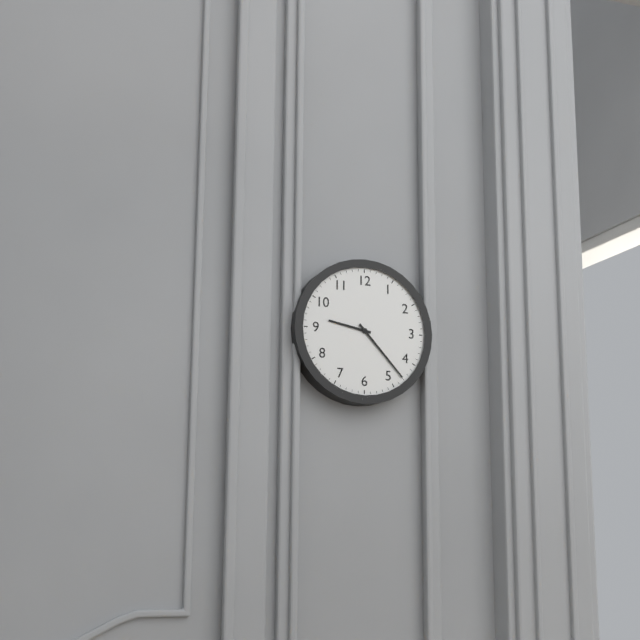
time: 9:23
